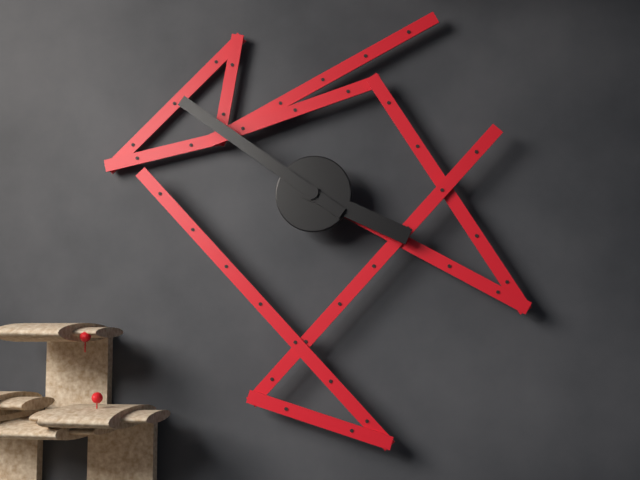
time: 3:51
